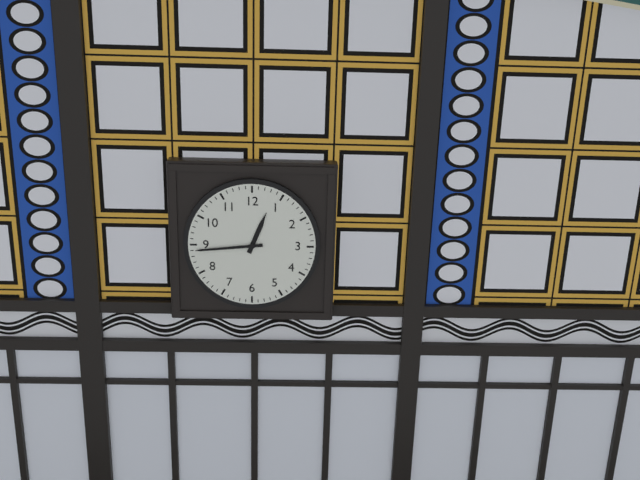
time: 12:44
